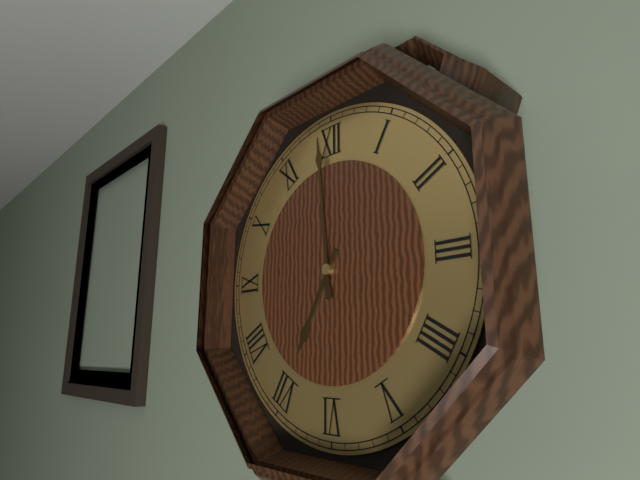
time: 6:59
